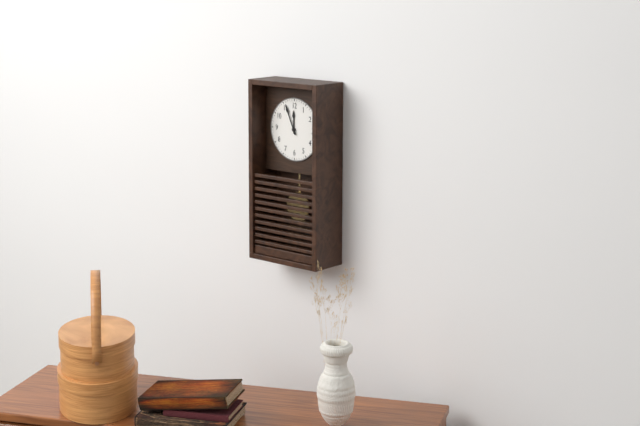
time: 11:56
